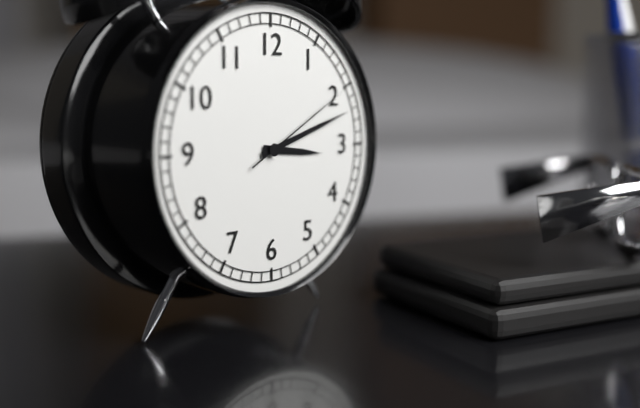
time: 3:12:10
